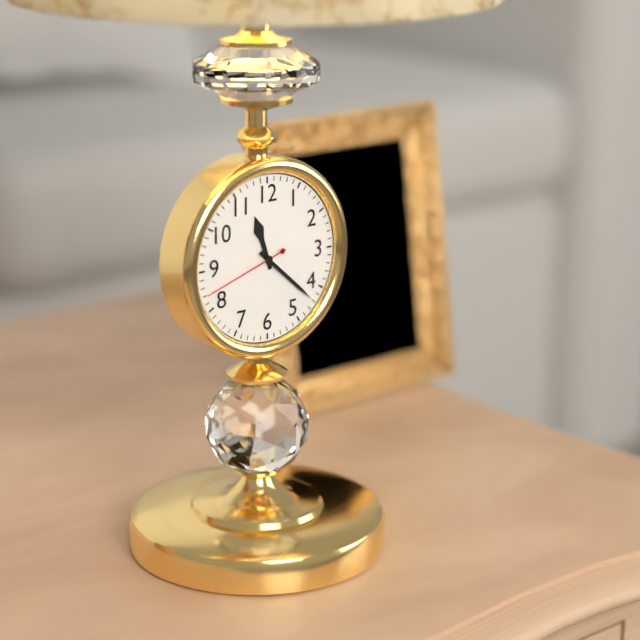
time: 11:22:42
